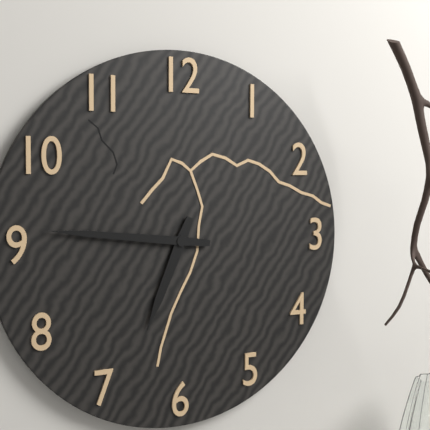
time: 6:46
